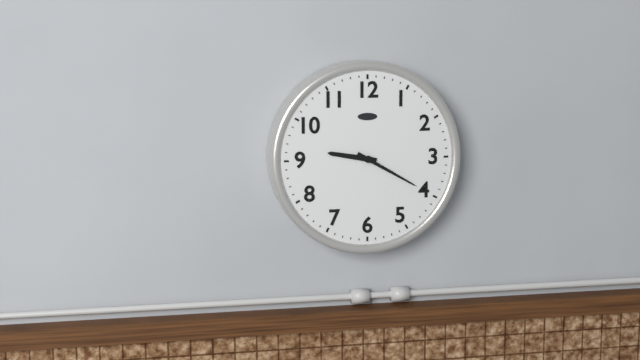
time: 9:20
